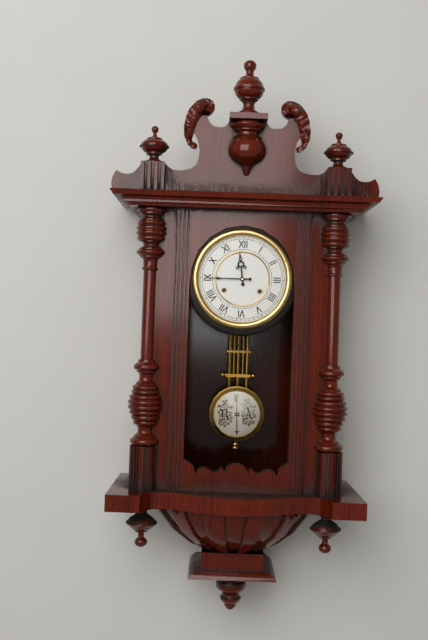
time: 11:45
